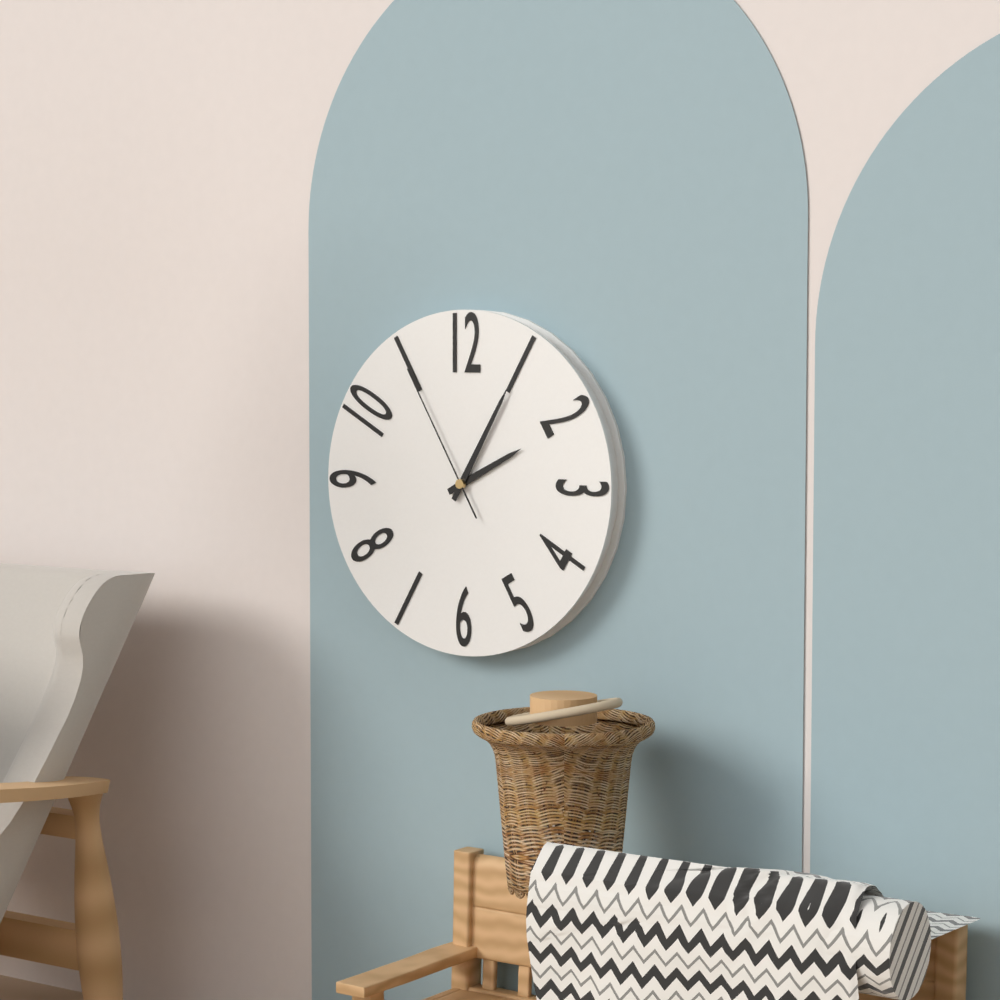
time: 2:05:55
